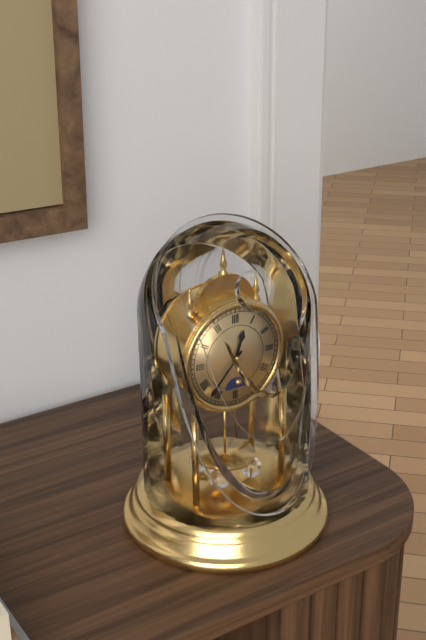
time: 12:37
